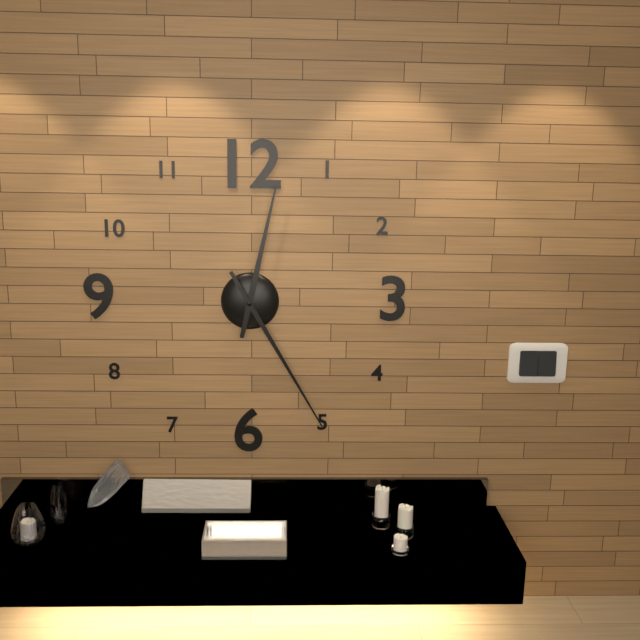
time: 12:25
